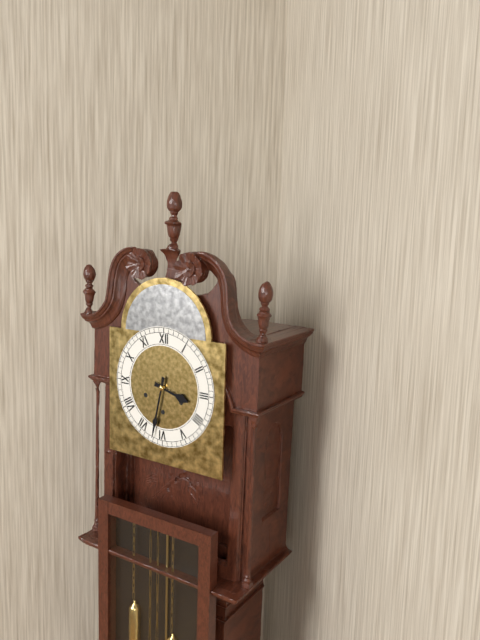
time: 3:32
